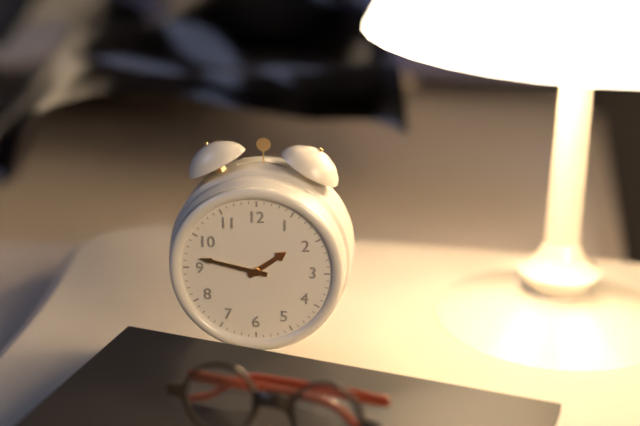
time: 1:47
